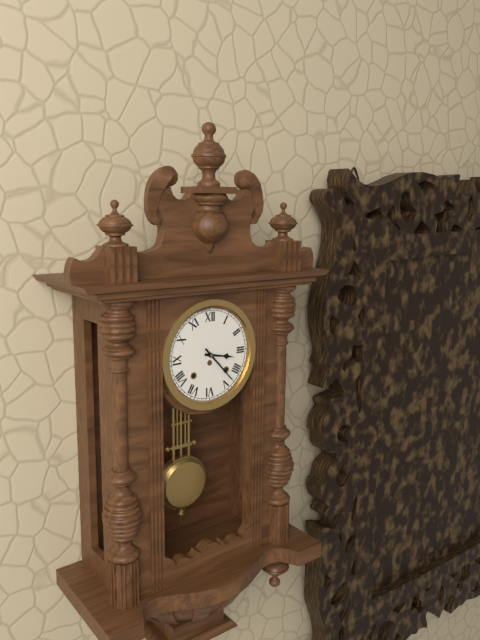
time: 3:23
